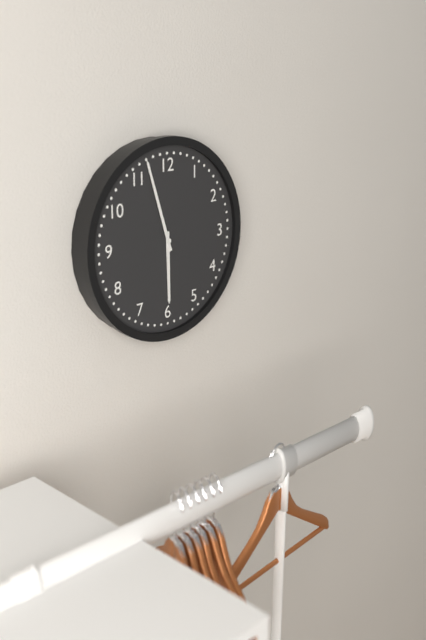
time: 5:57
